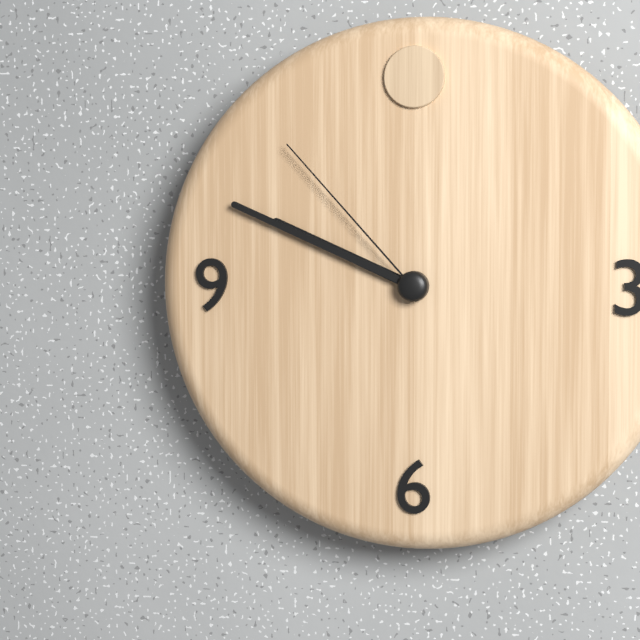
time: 9:49:53
